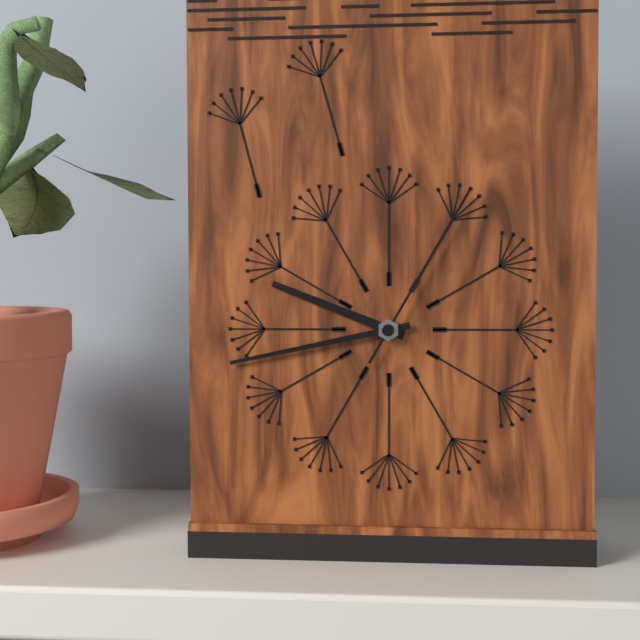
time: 9:43:05
